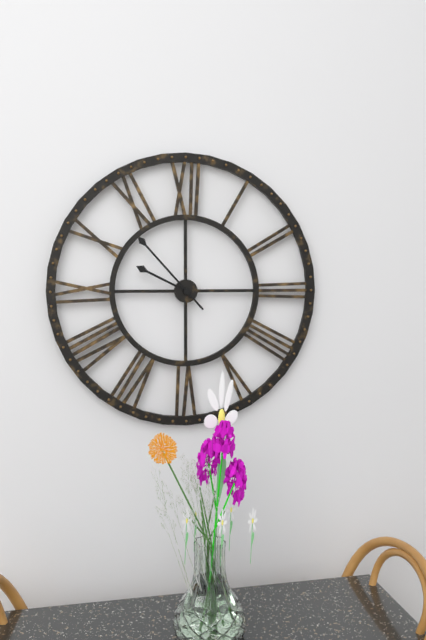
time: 9:53
